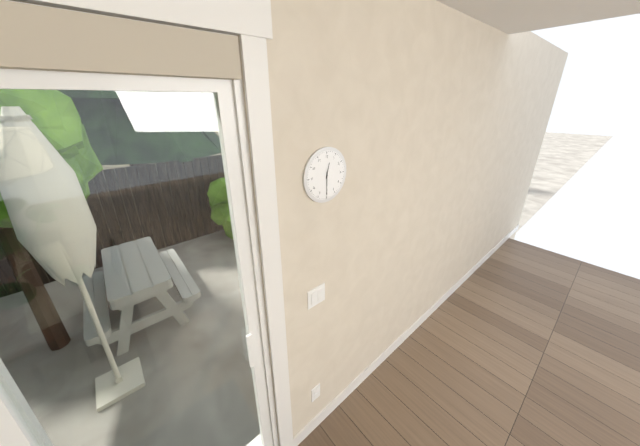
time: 12:30
